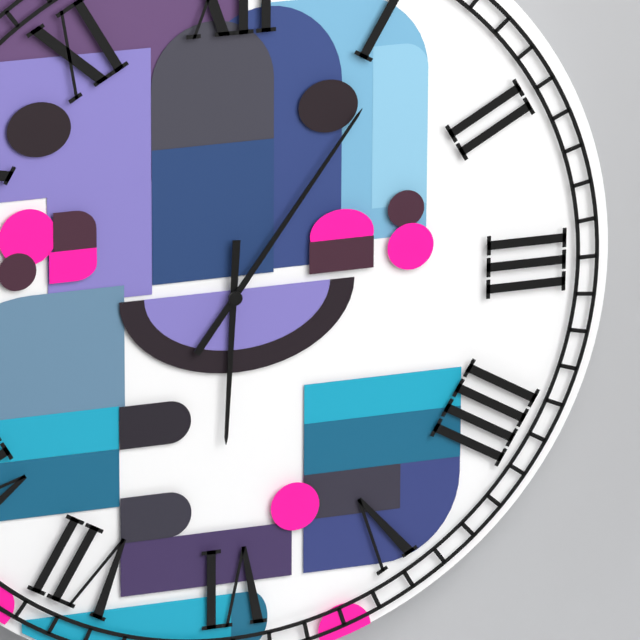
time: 6:06
